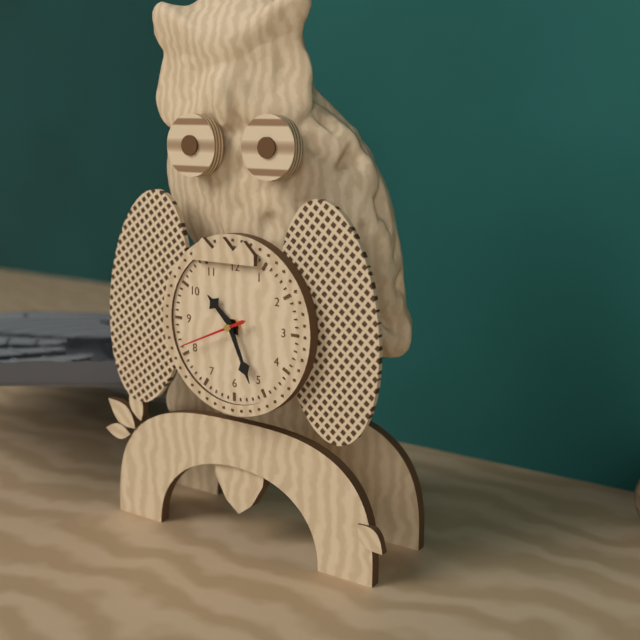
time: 10:26:41
